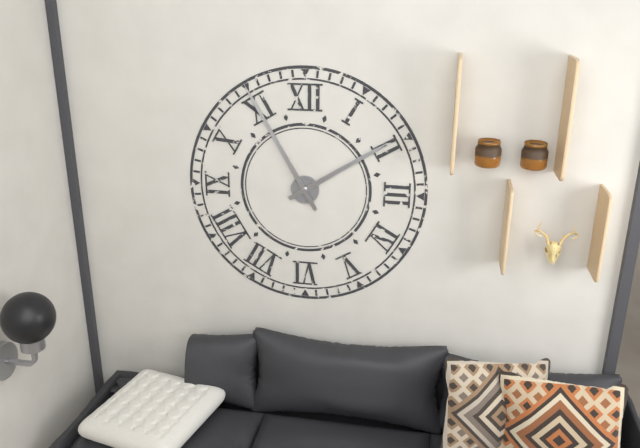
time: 1:55
